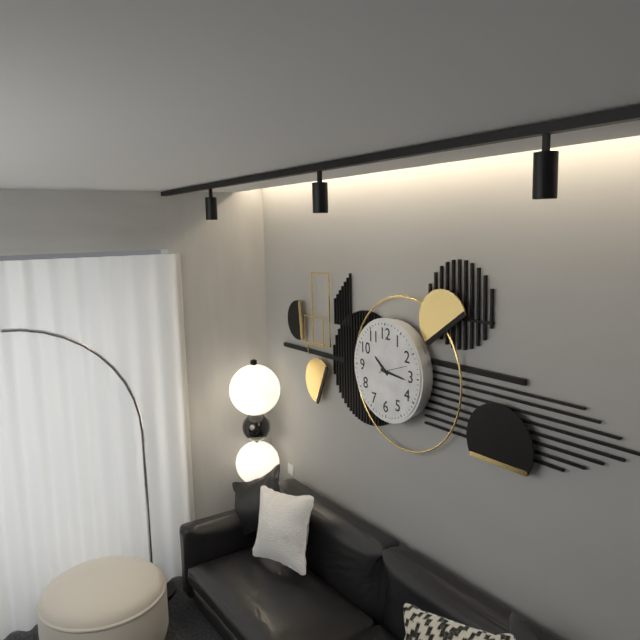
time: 10:16
